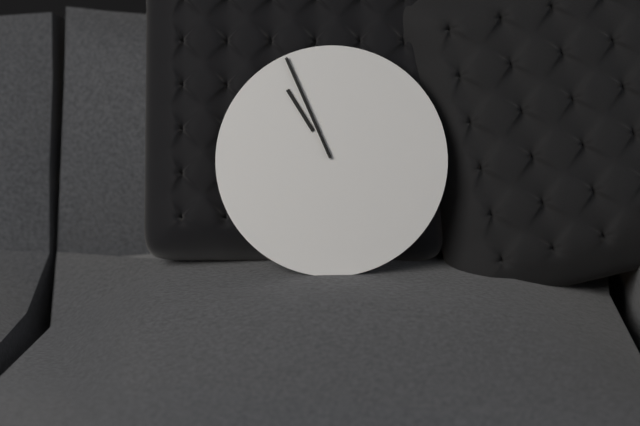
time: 10:56
